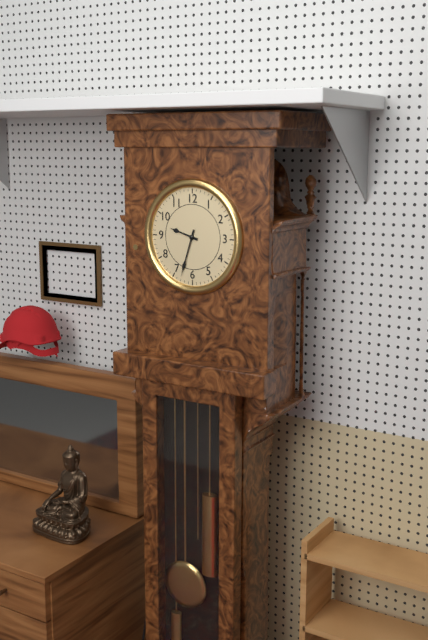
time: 9:33
